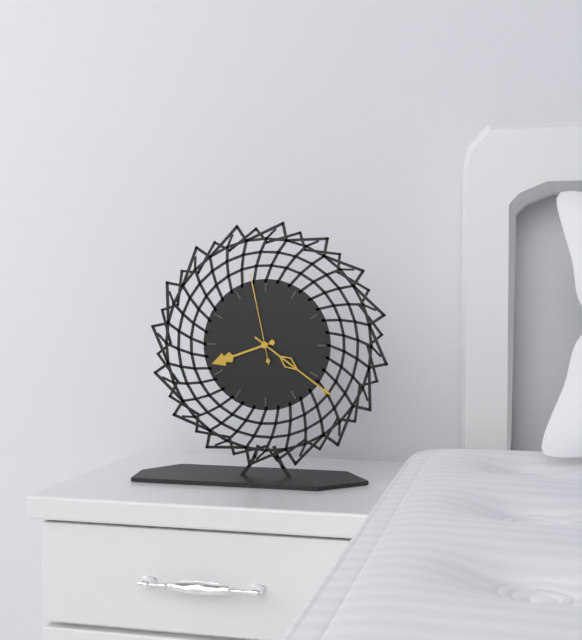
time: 8:21:58
